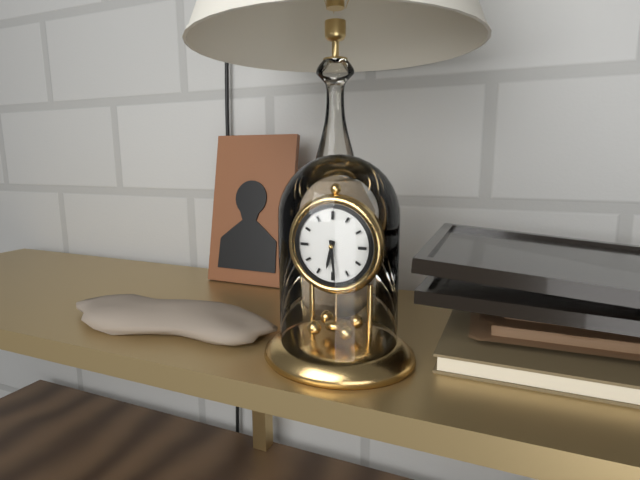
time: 6:29
